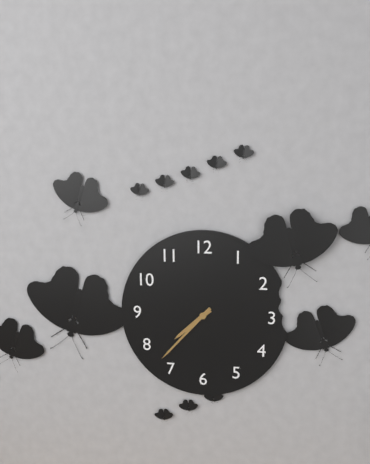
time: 7:37
